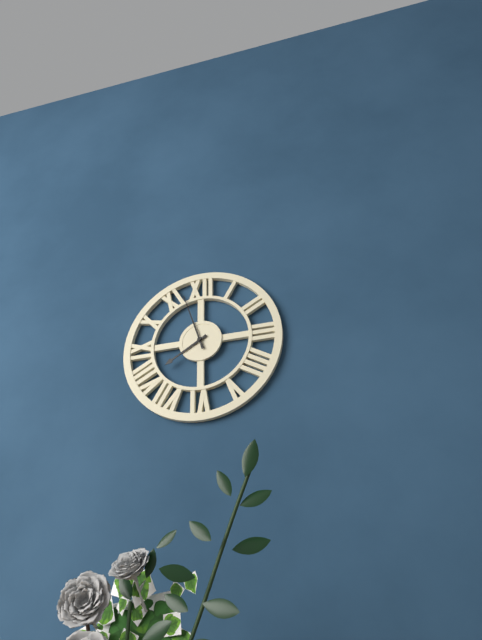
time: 7:57
